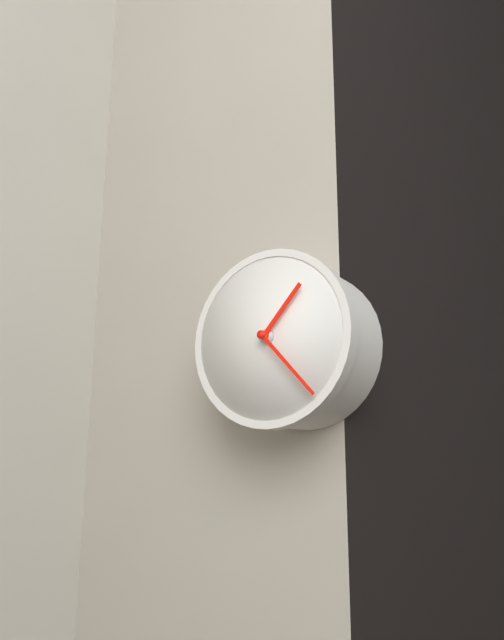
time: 1:23
